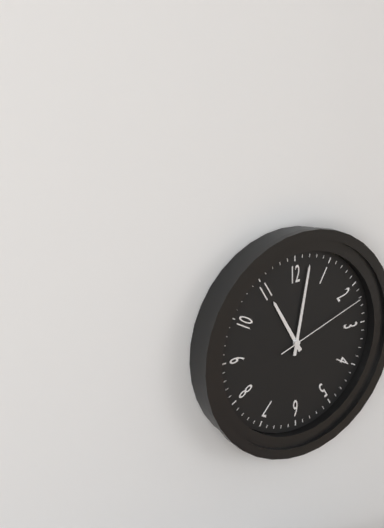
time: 11:02:12
